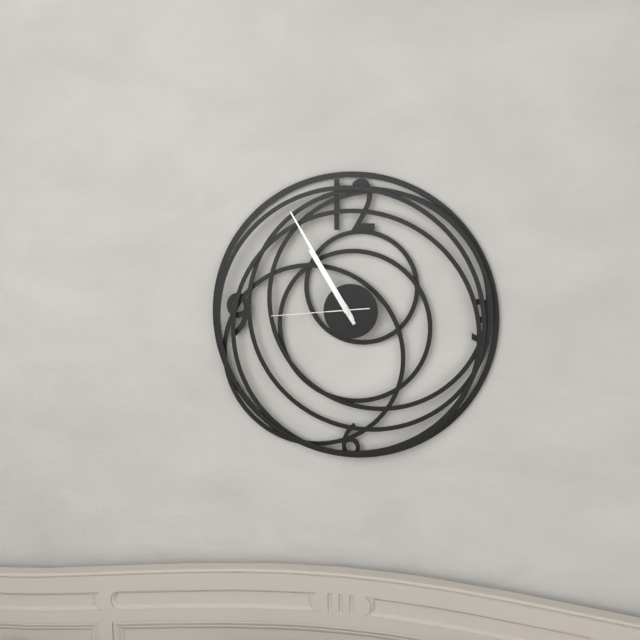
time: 10:55:44
